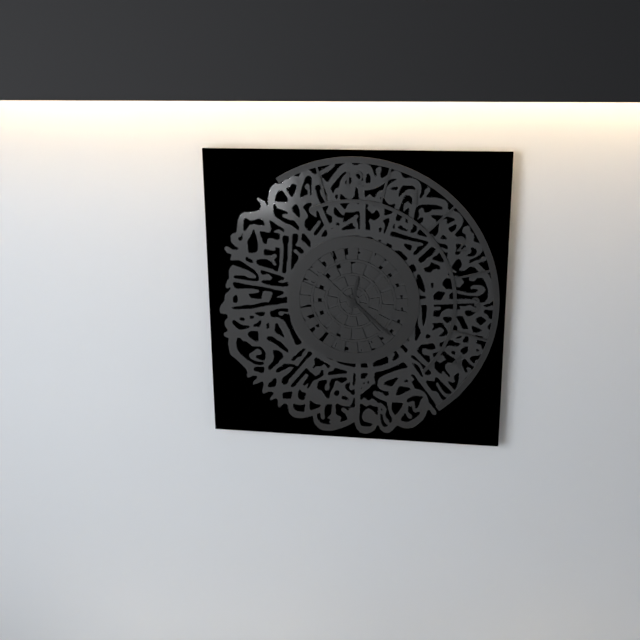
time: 12:22
